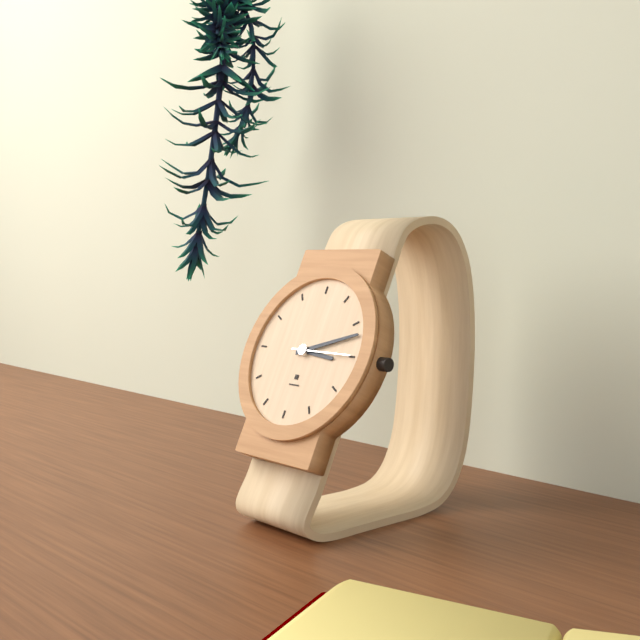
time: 3:12:15
